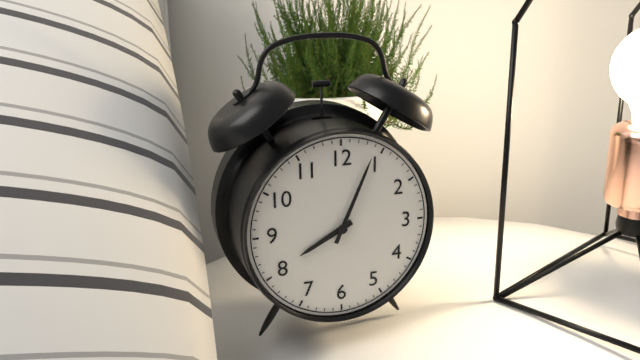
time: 8:04
